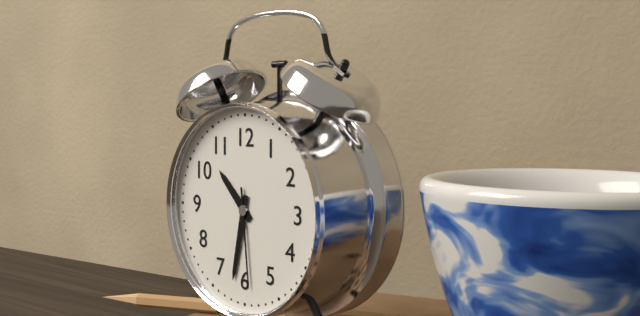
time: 10:32:29
